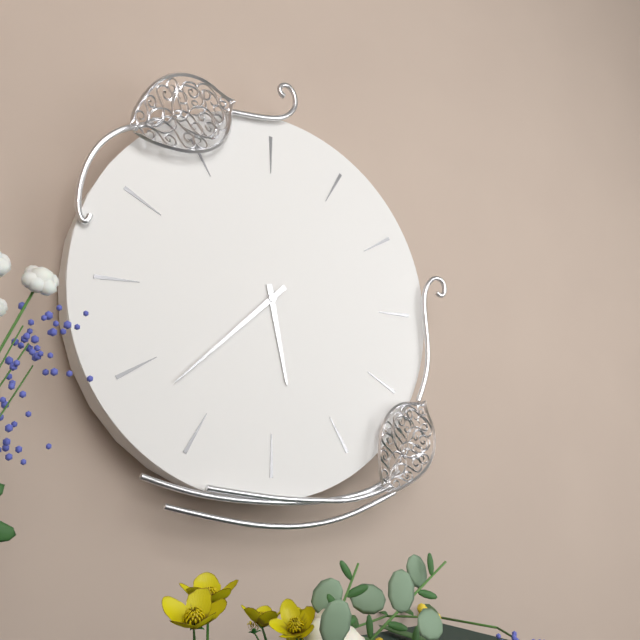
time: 5:38
